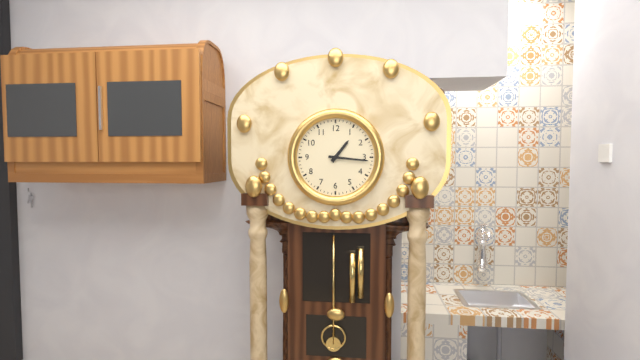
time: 1:16
